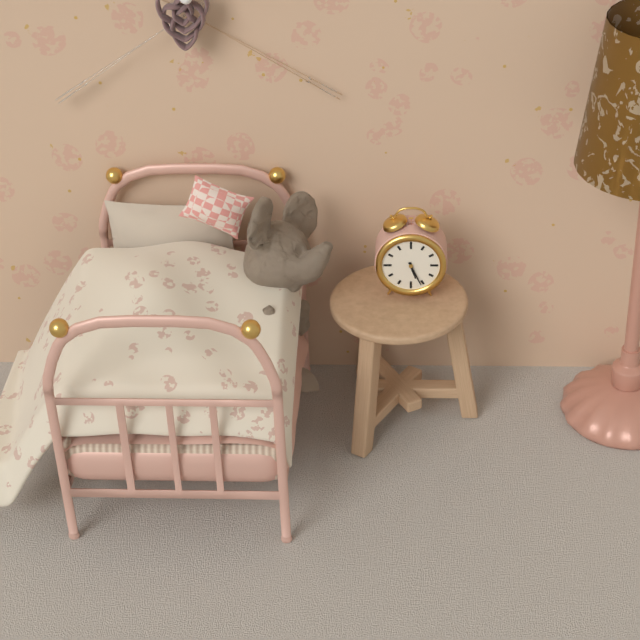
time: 5:26
